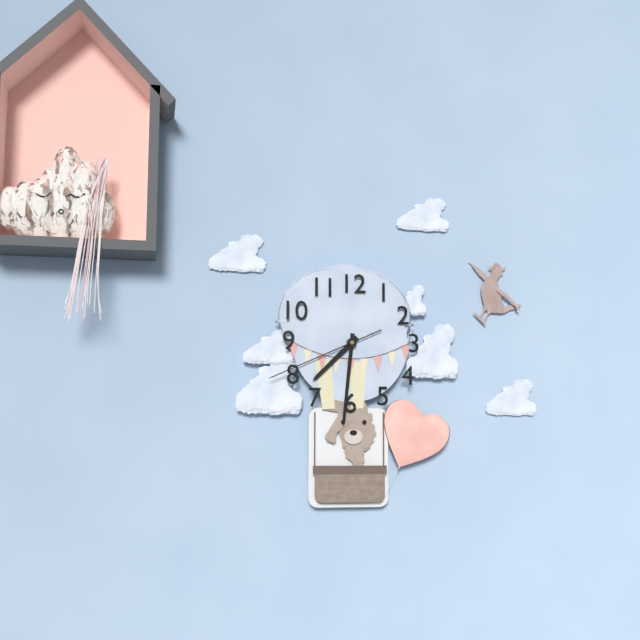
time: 7:31:41
